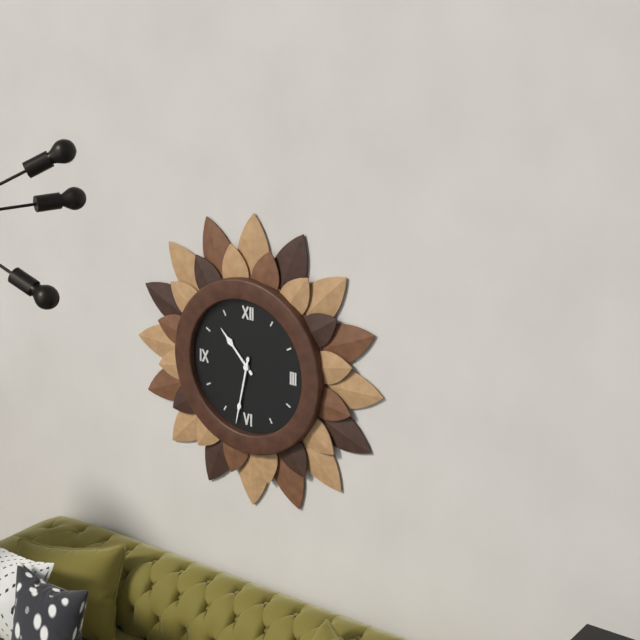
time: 10:32
